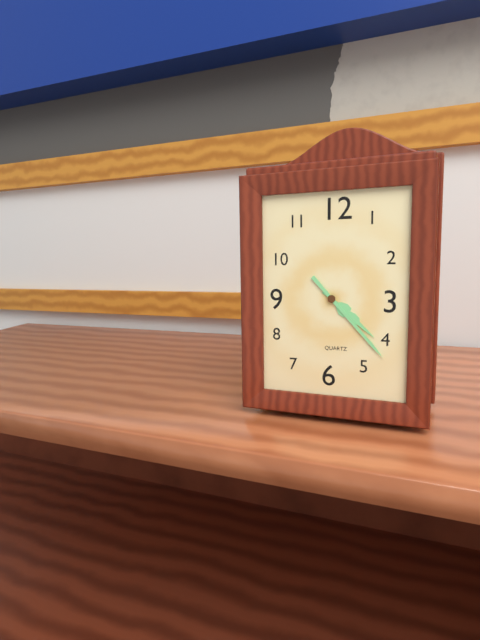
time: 4:23
